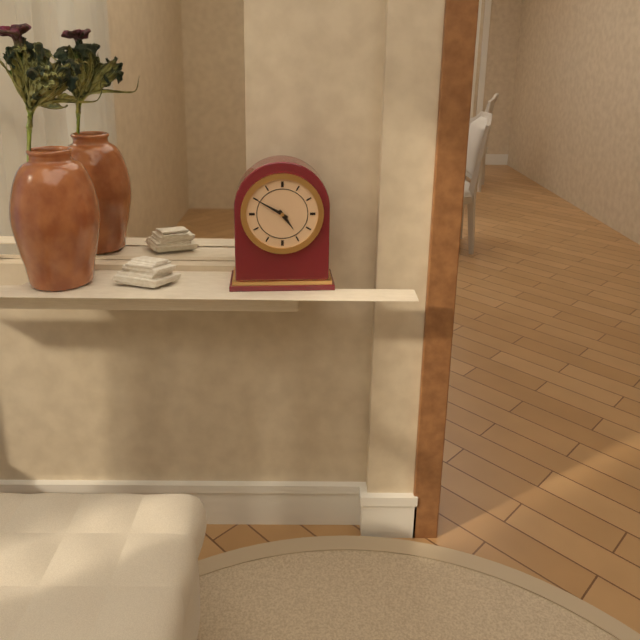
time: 4:50
